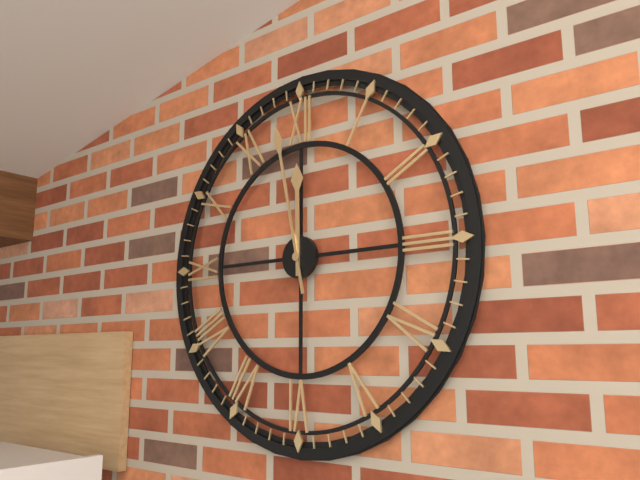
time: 11:58
